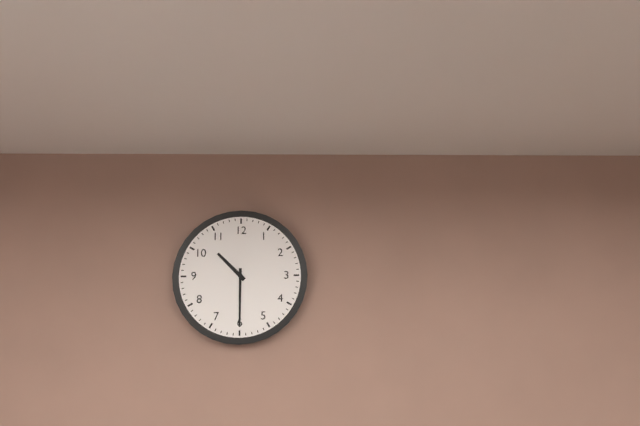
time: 10:30
